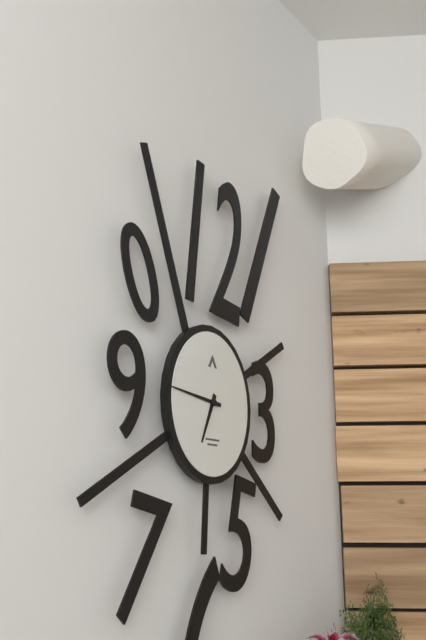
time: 6:46
